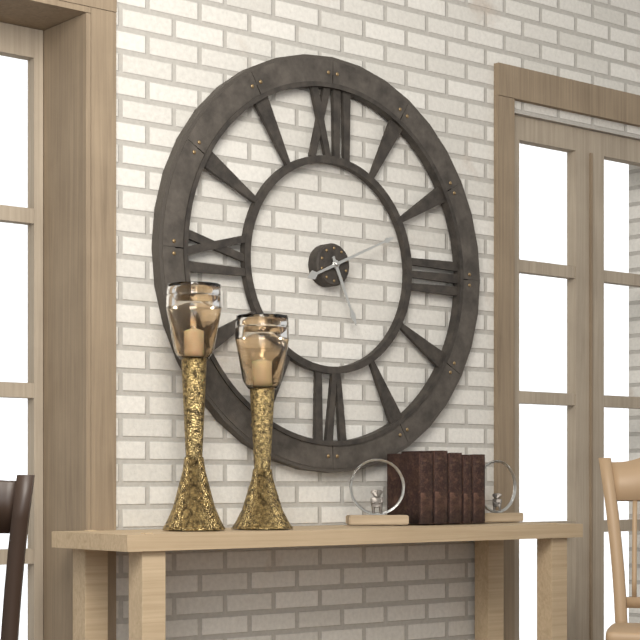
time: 5:11
